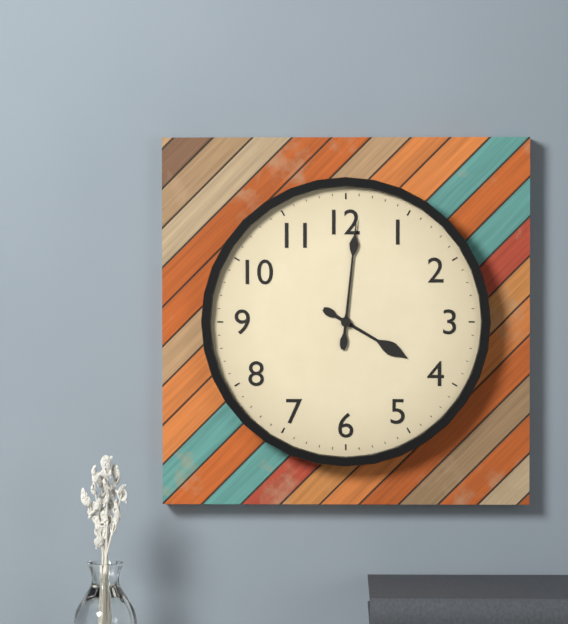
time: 4:01
